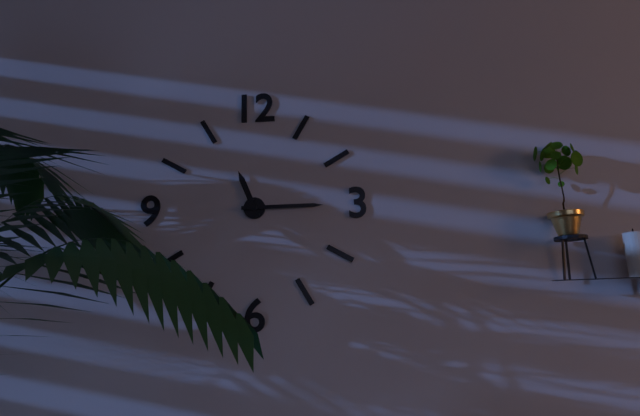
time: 11:15
